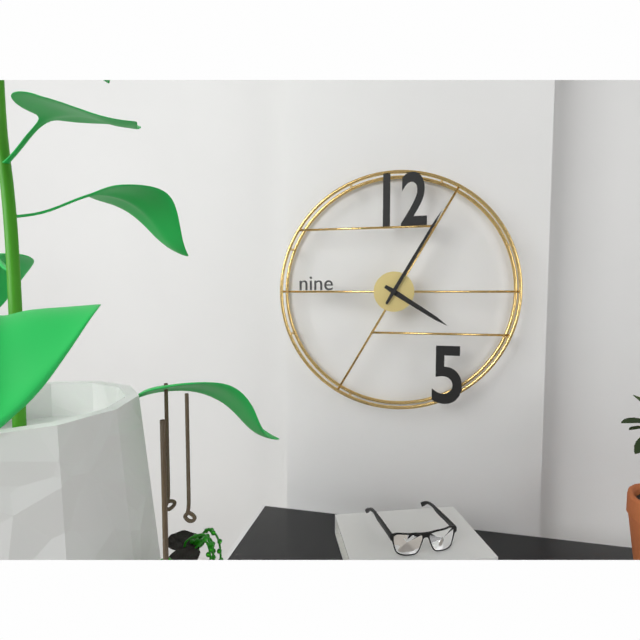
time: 4:05
